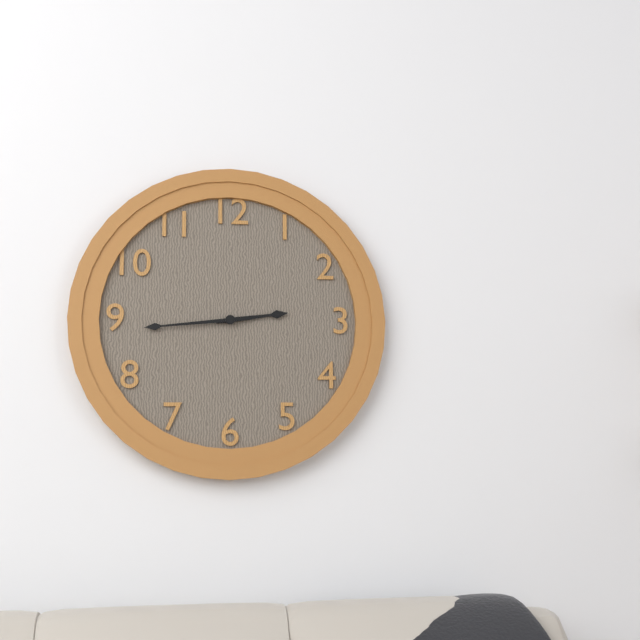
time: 2:44
